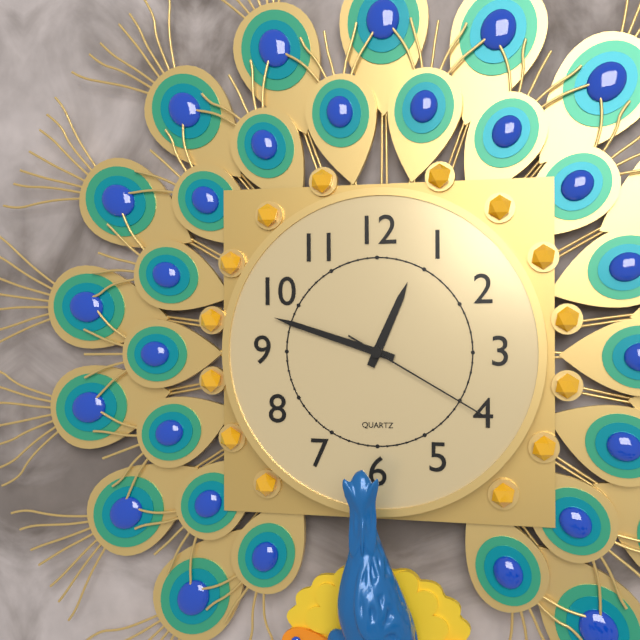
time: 12:48:20
